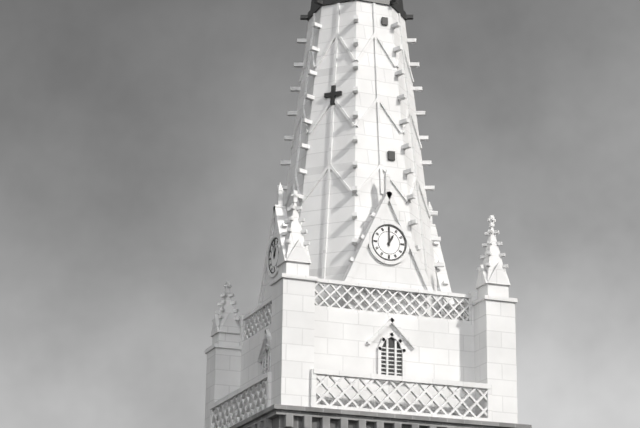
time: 1:00
